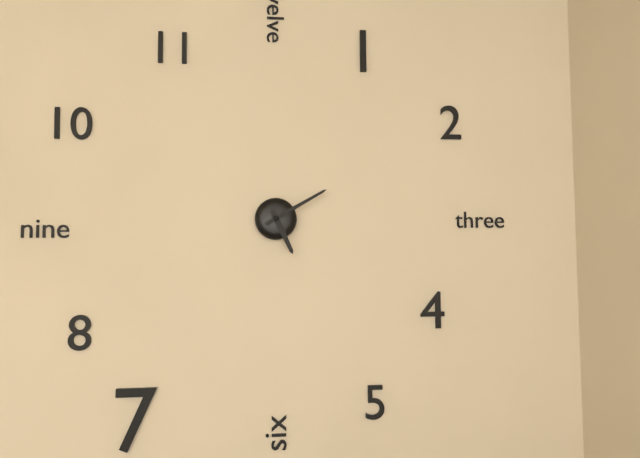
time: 5:10
